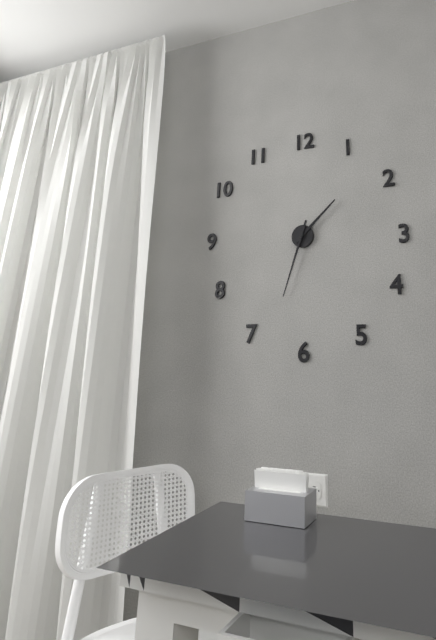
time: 1:33
